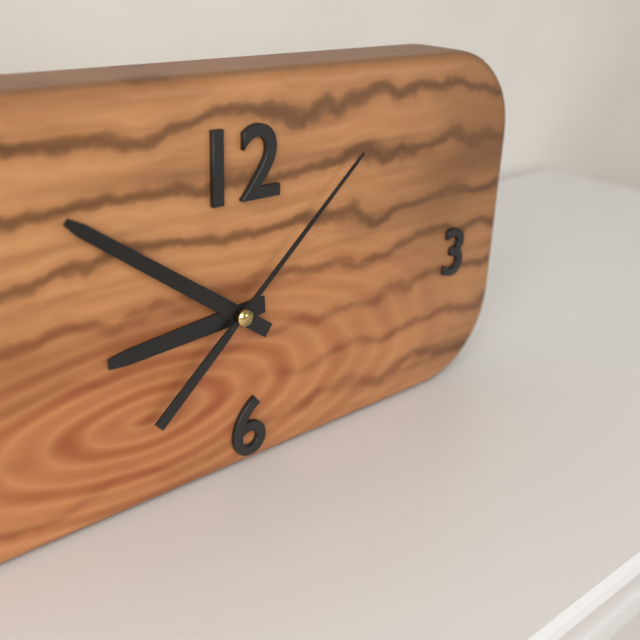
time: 8:51:08
